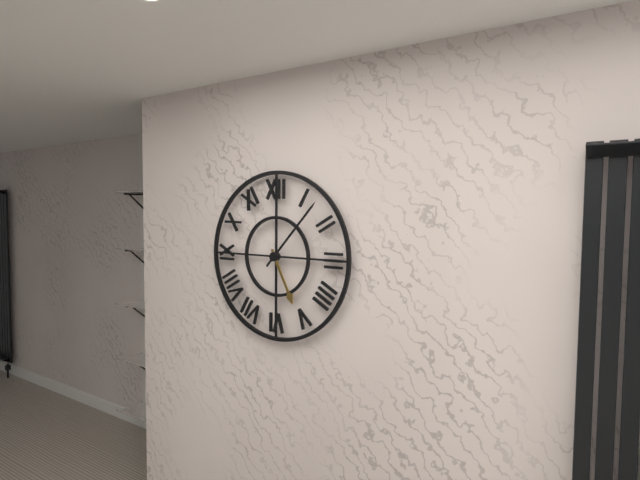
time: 5:07
